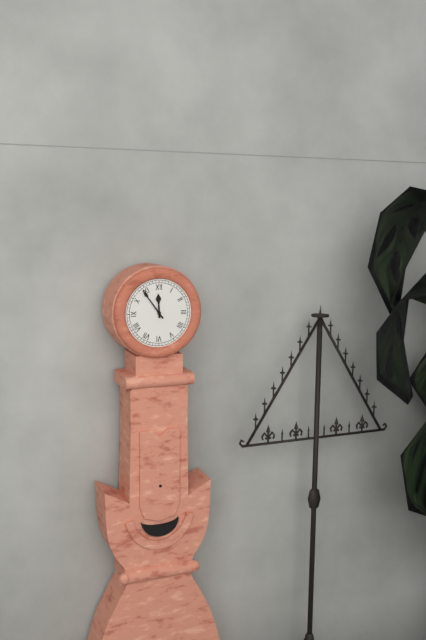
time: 11:54
